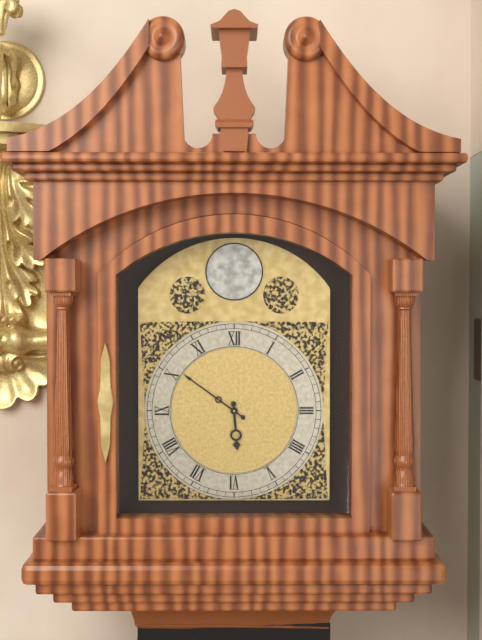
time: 5:51
